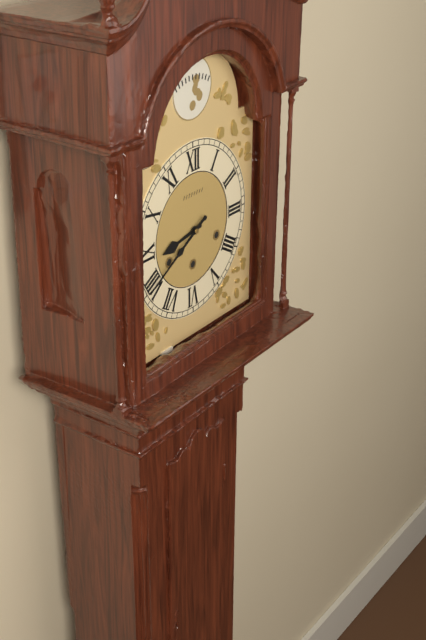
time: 8:40
